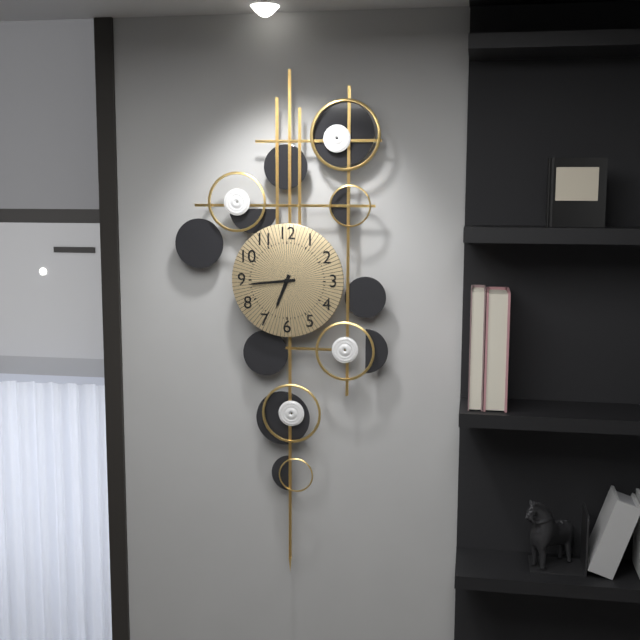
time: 6:44
